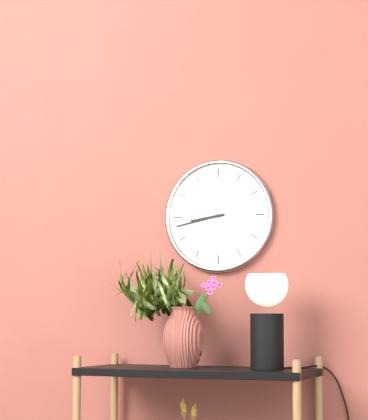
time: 8:43
